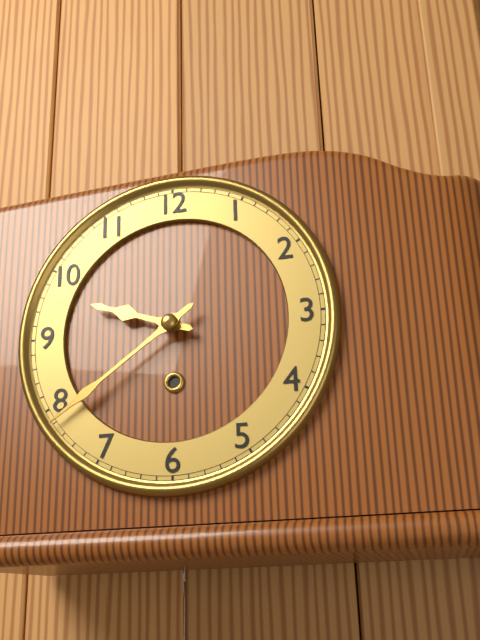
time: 9:39
